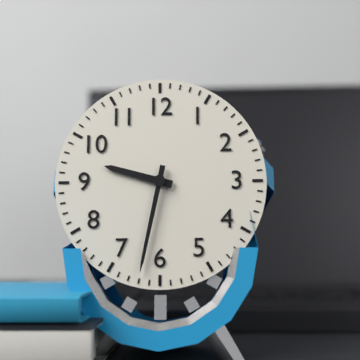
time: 9:32
